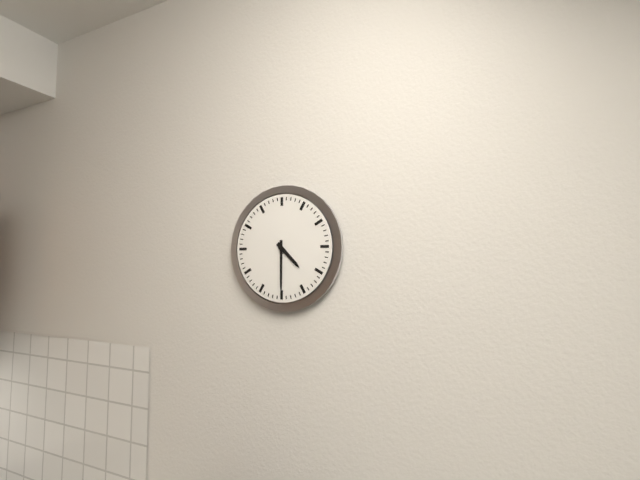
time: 4:30
